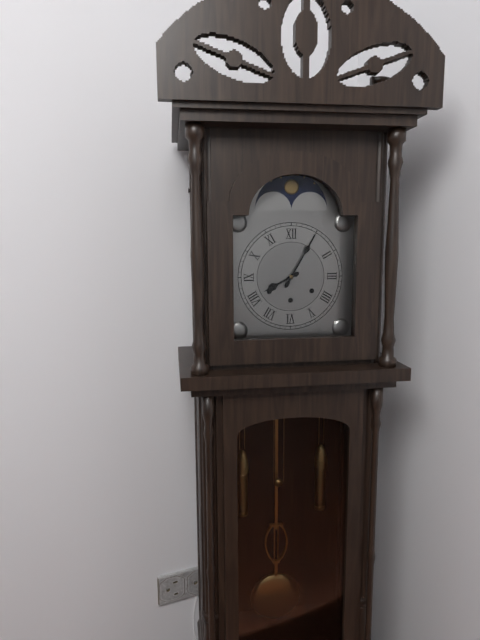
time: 8:05
